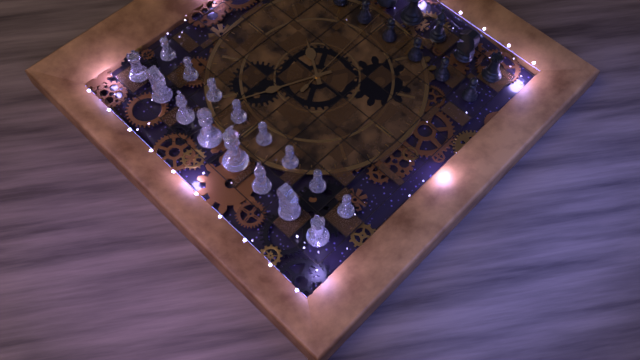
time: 4:04:29
